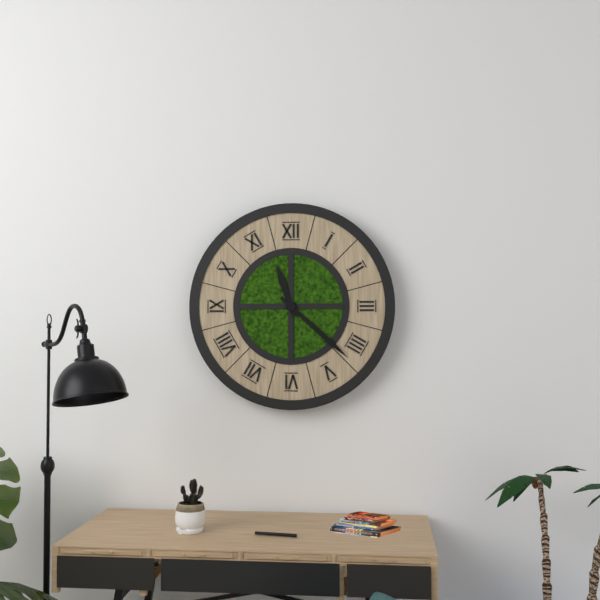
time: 11:22
